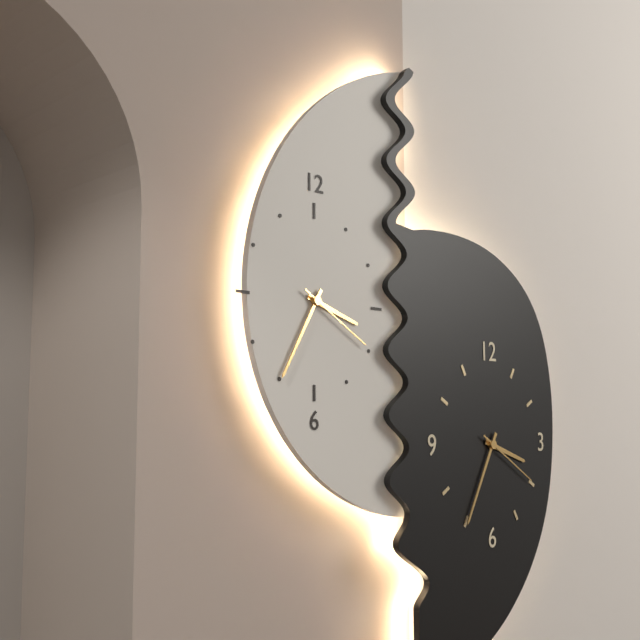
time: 3:35:20
